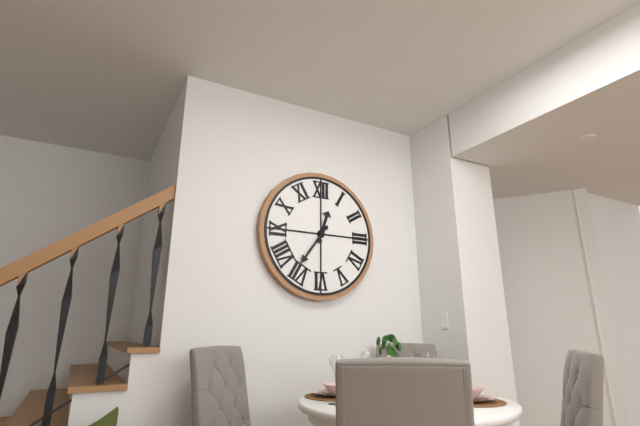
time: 12:36
